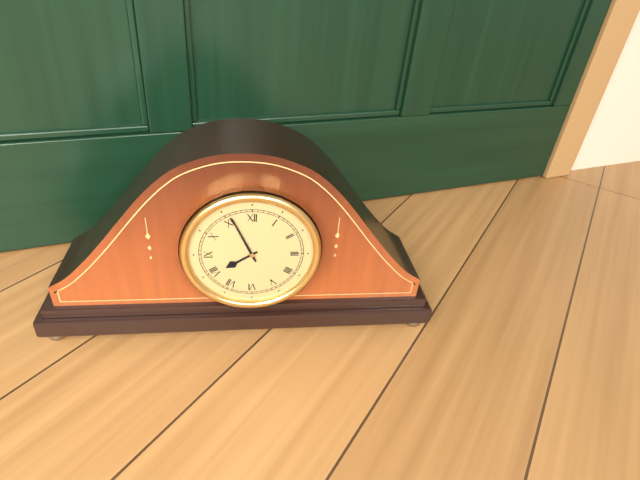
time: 7:56
